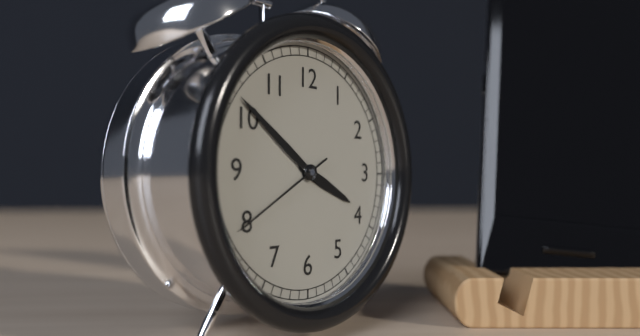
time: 3:51:40
